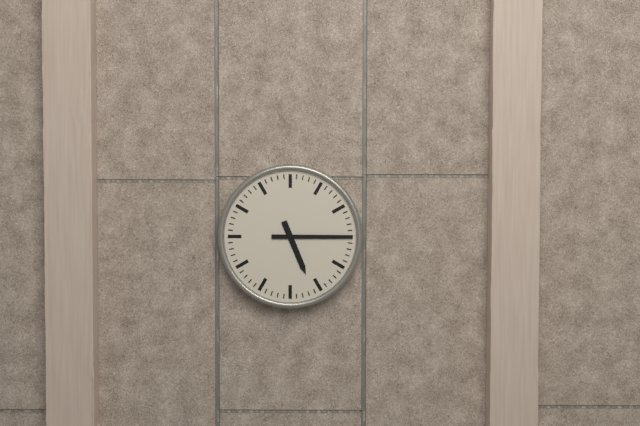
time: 5:15
